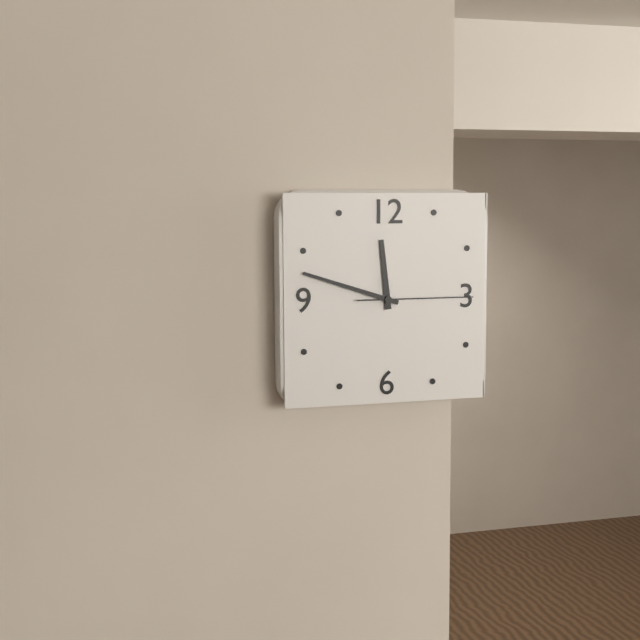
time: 11:48:15
